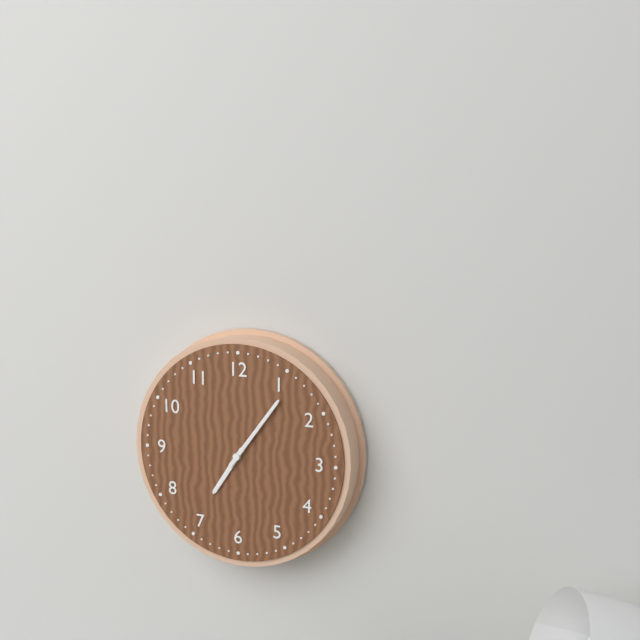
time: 7:06
